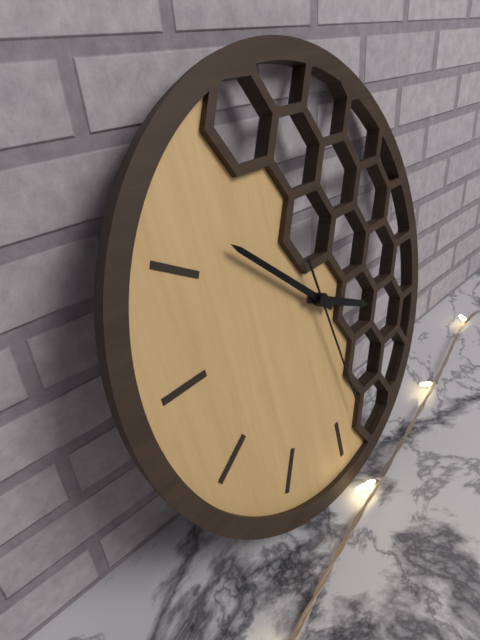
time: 3:52:28
